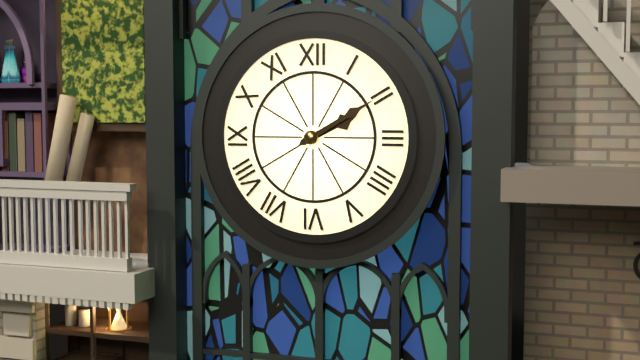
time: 2:10
